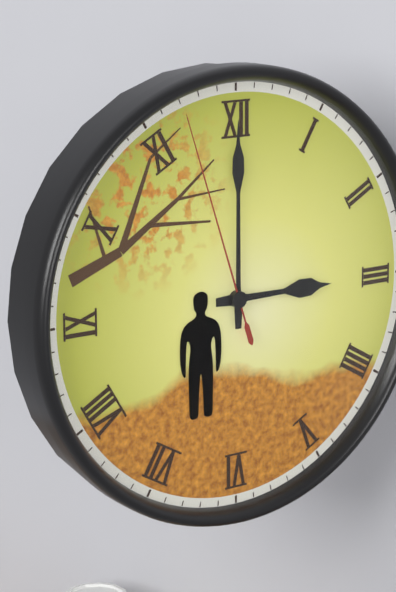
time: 3:00:57
